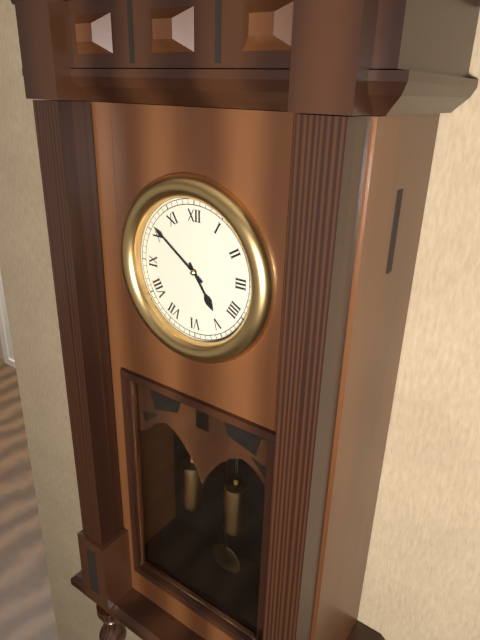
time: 4:51
